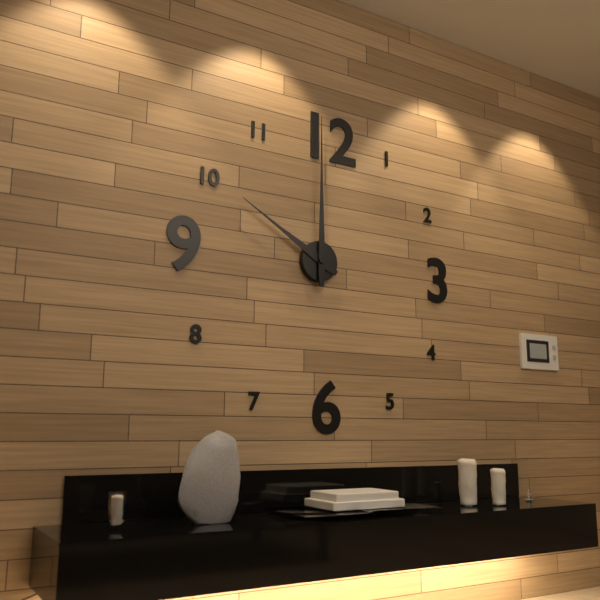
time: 10:00
